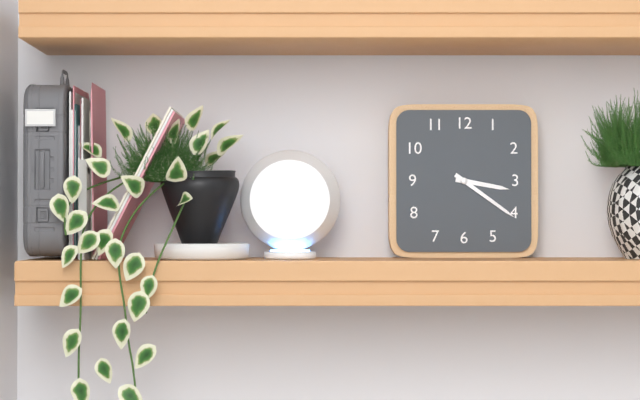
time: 3:21
